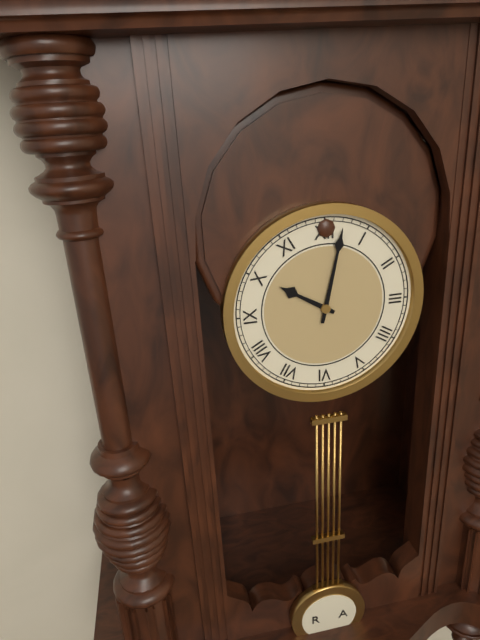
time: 10:02
